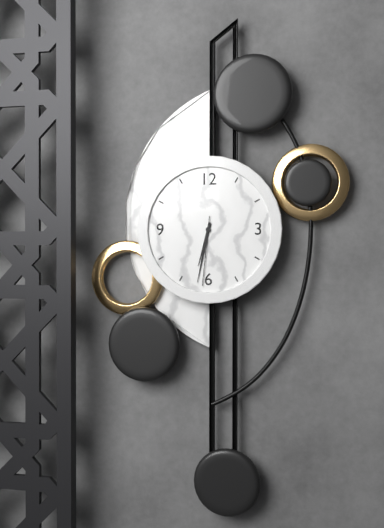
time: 6:32:31
